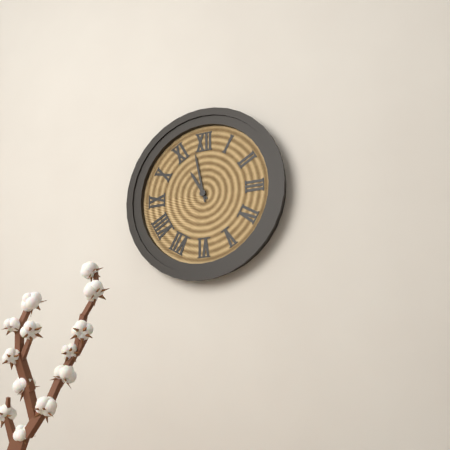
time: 10:58
